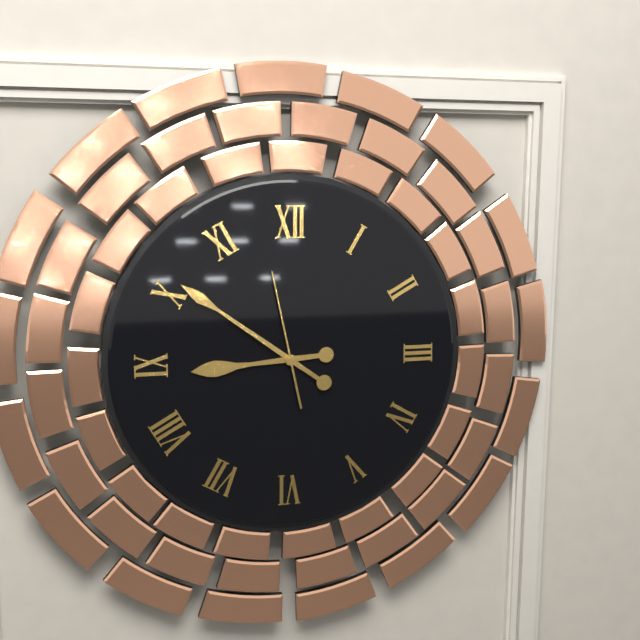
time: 8:51:58
